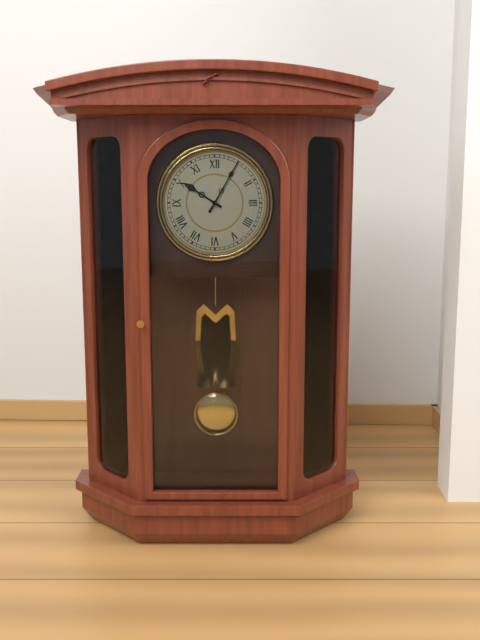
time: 10:05
